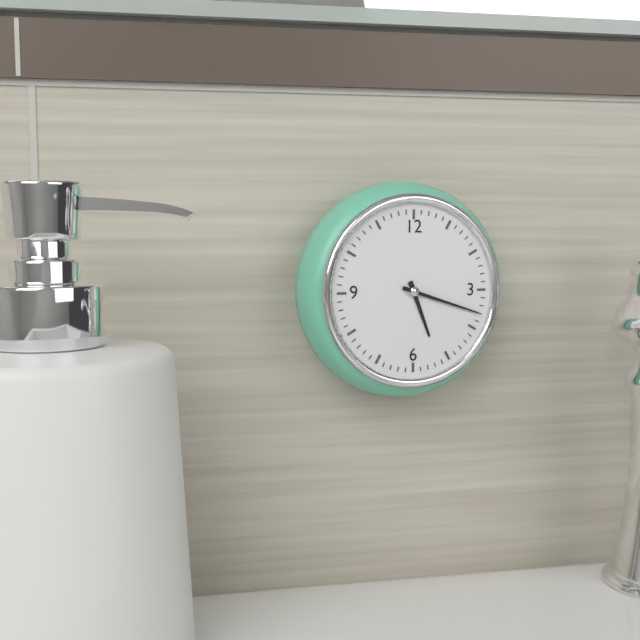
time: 5:18
